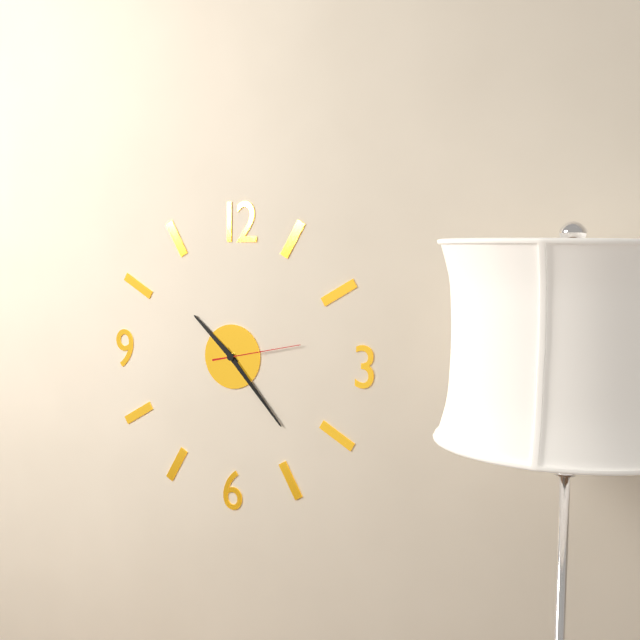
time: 10:23:13
